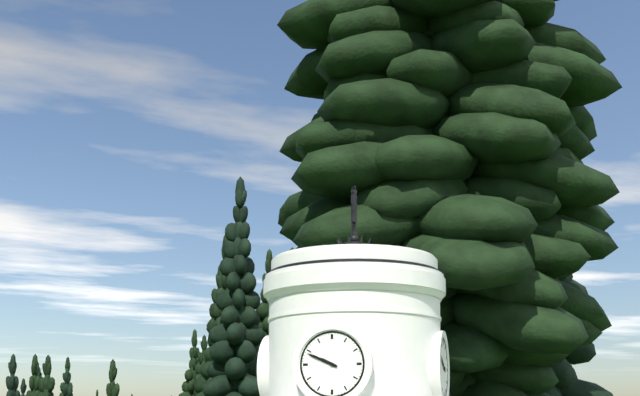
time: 9:49
